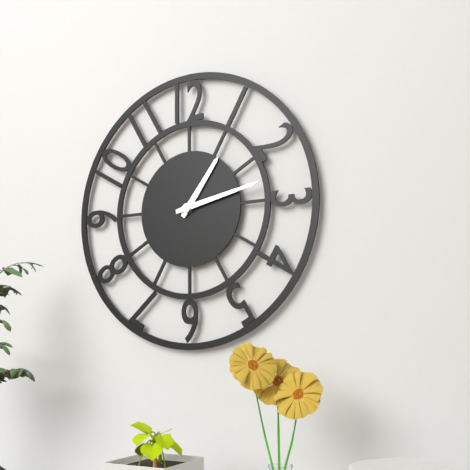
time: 1:13
